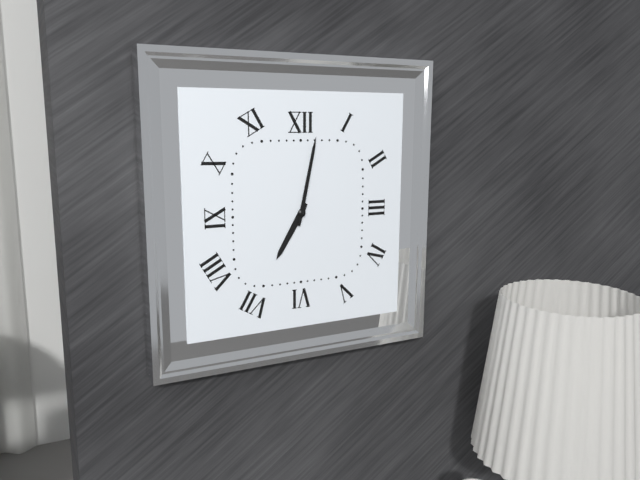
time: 7:02
